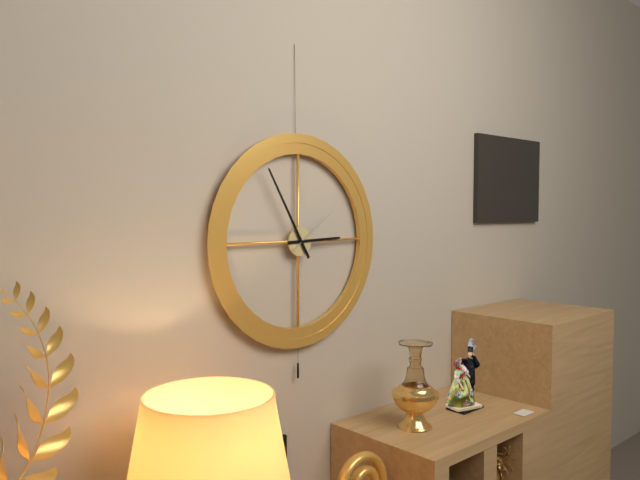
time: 2:55:09
